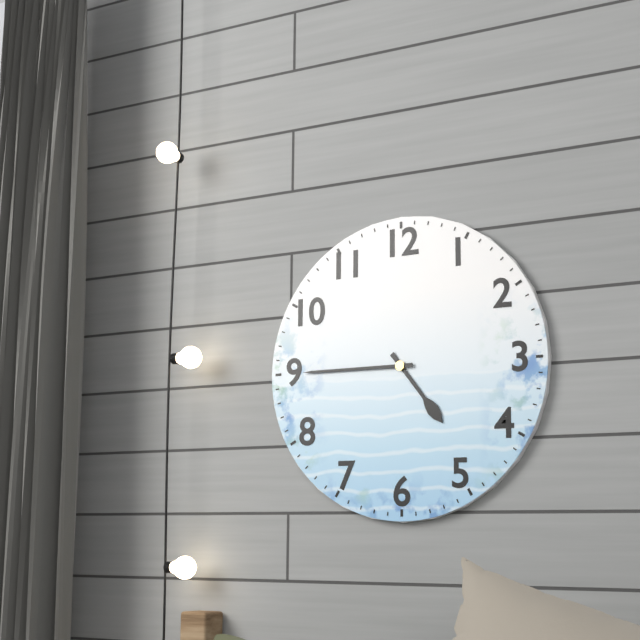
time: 4:45
